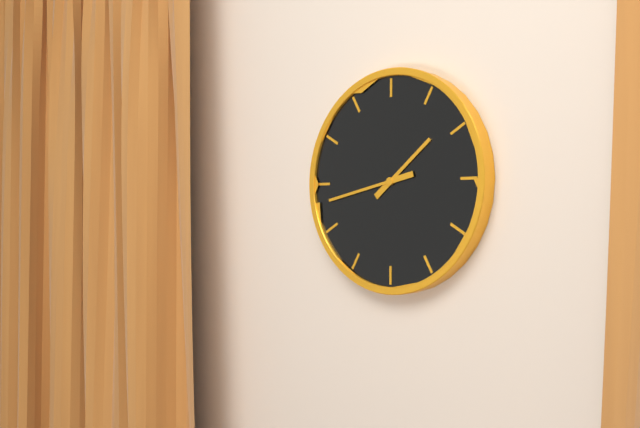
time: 1:43
